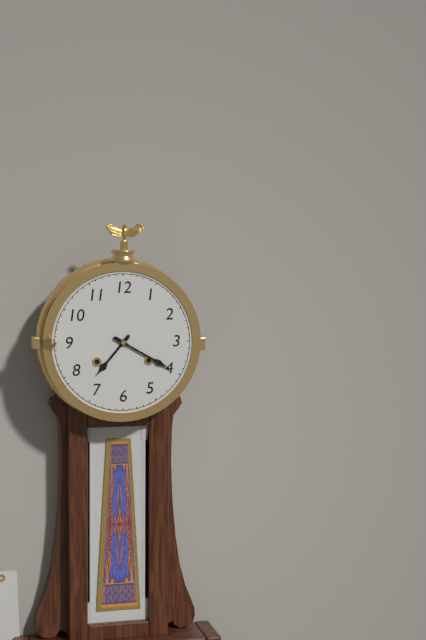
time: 7:20
